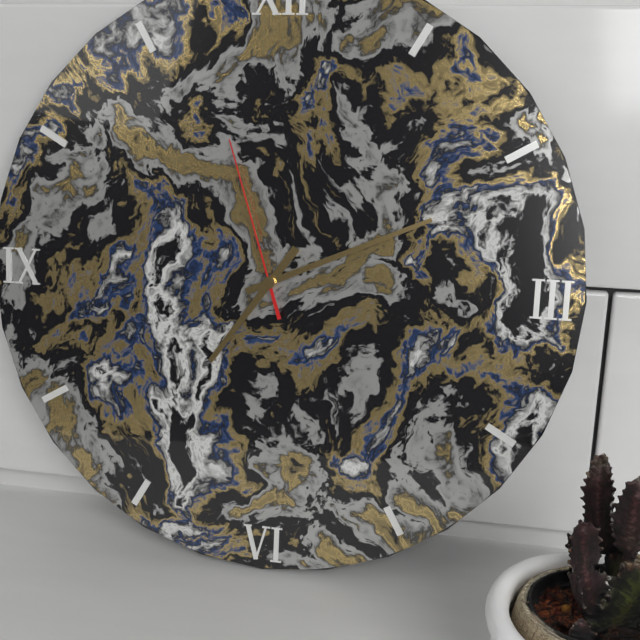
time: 7:11:57
